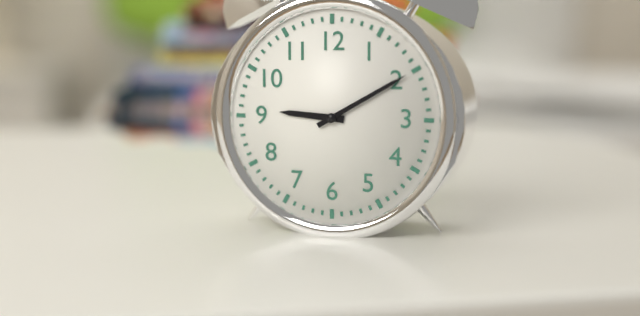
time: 9:10
